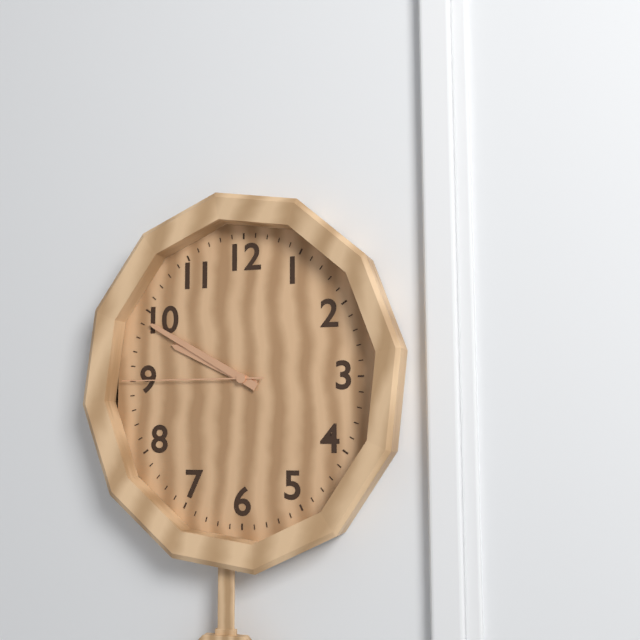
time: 9:50:45
